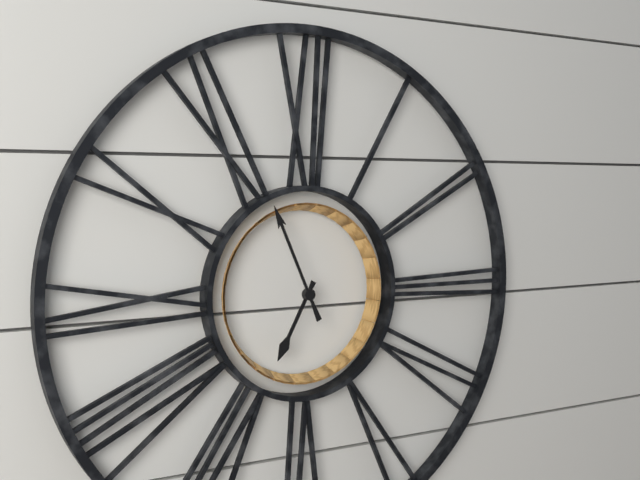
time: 6:56
